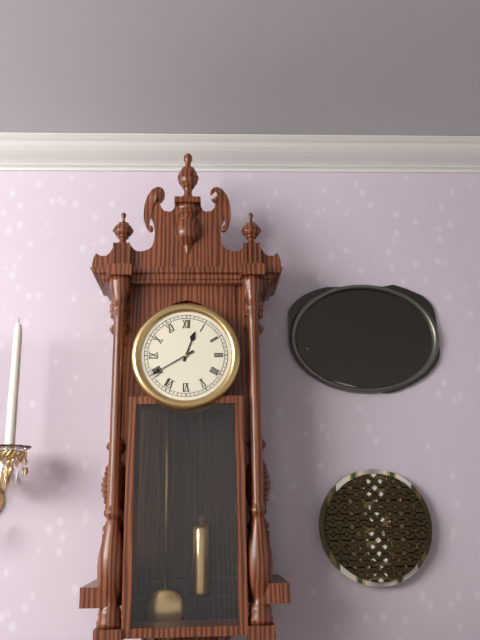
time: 12:40
